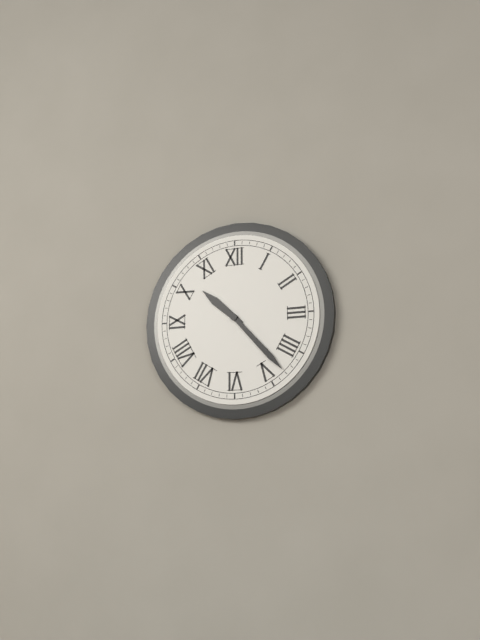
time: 10:23
